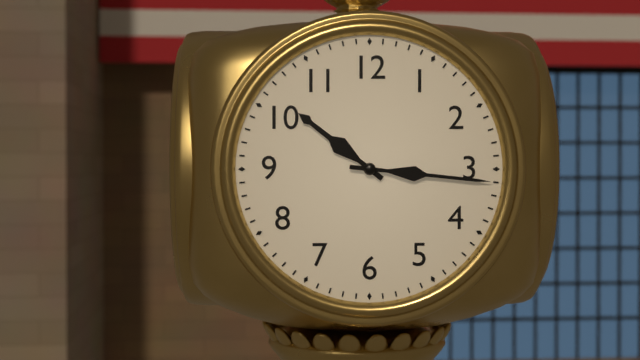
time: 10:16
